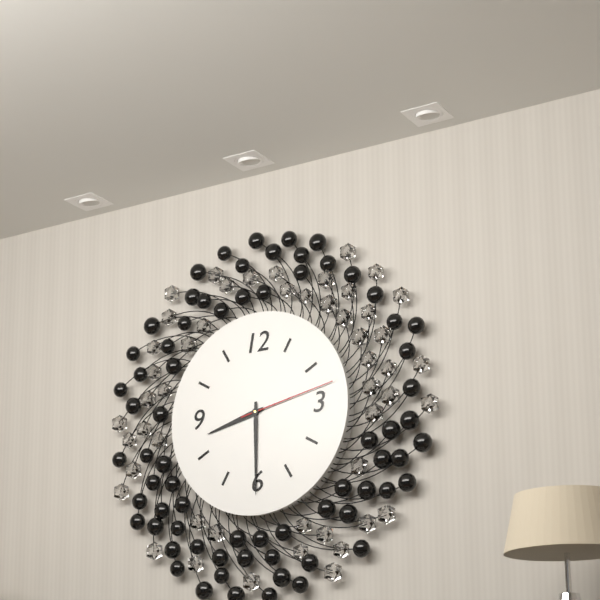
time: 8:30:13
